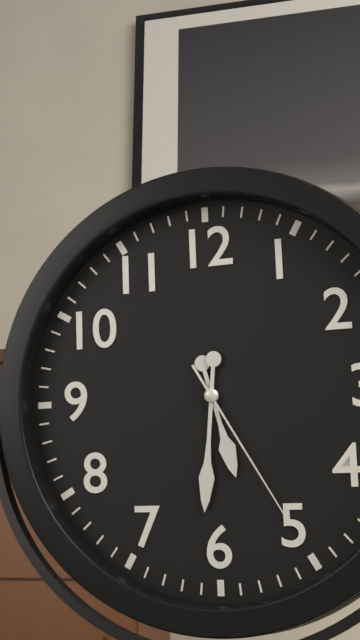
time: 5:31:25
